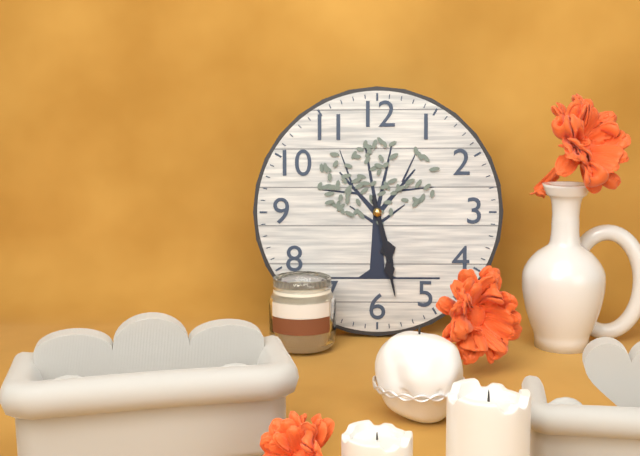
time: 5:28
